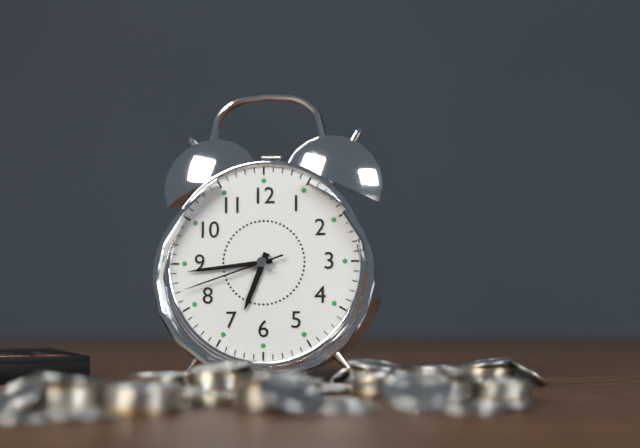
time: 6:44:42
